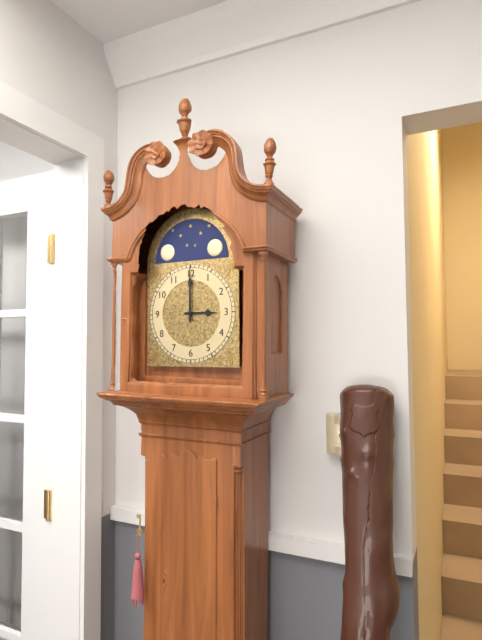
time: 3:00
